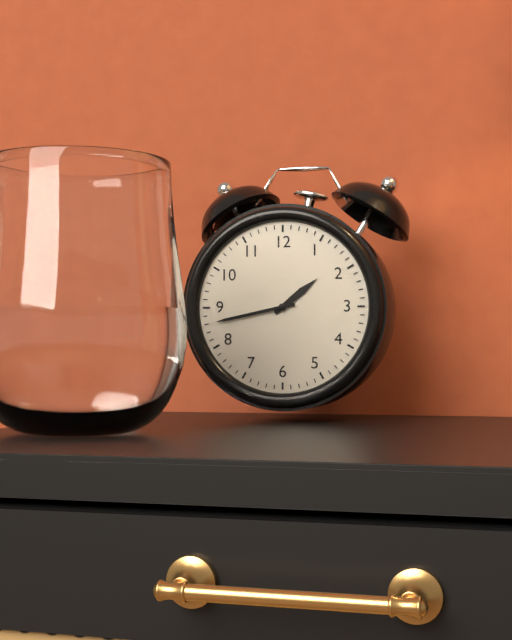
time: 1:43
